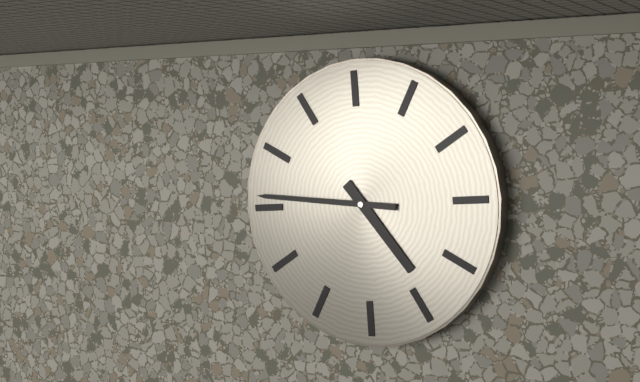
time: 4:46
